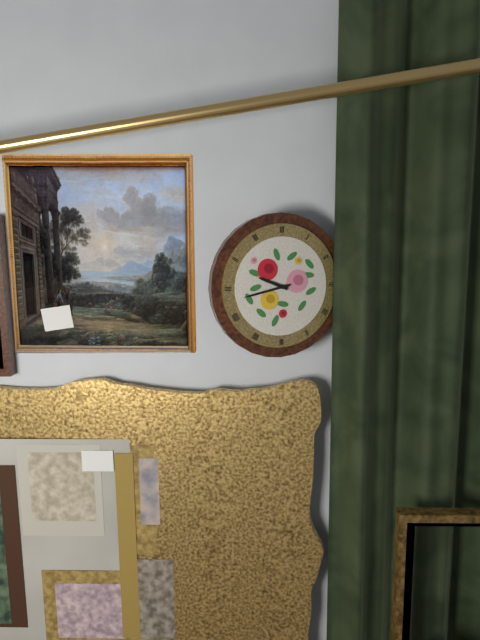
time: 9:43
